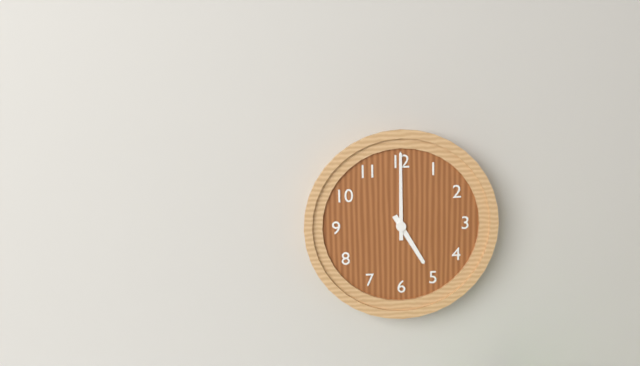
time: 5:00
